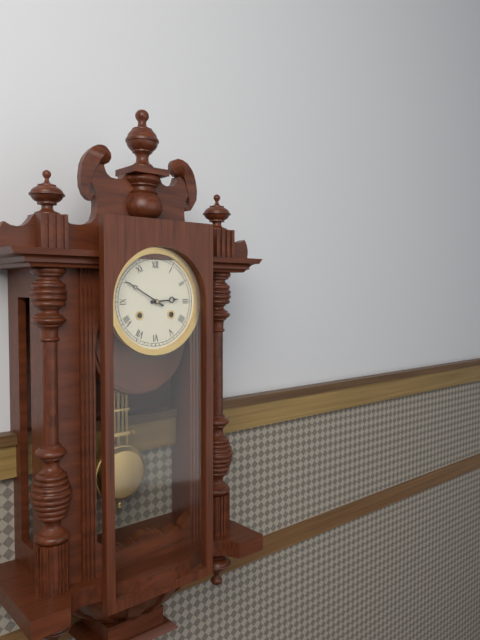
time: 2:50
